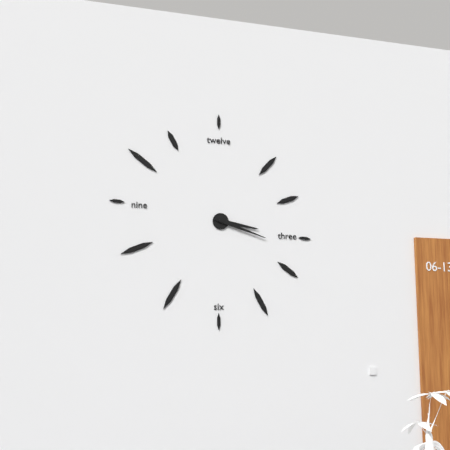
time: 3:18
